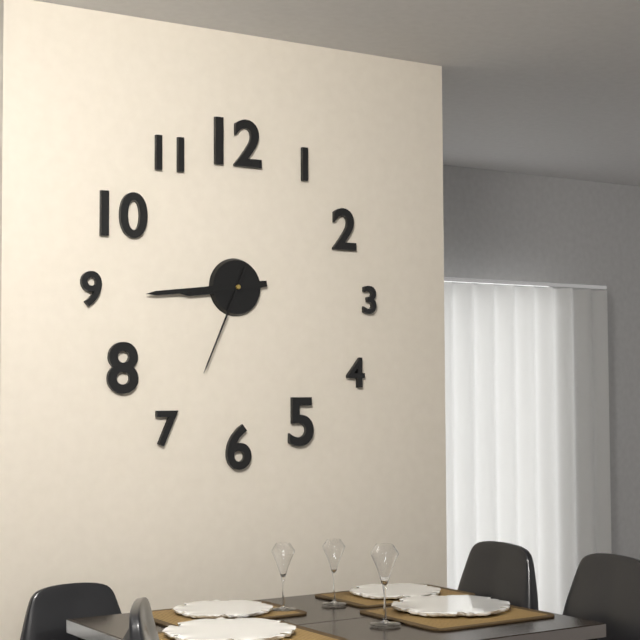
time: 8:44:34
